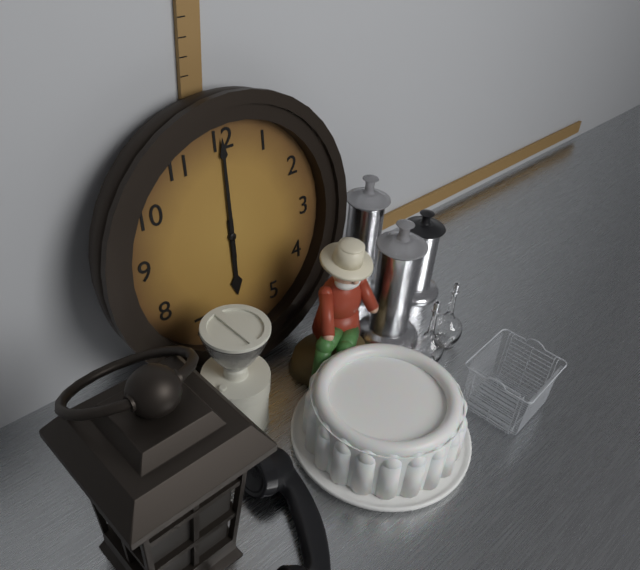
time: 6:00
